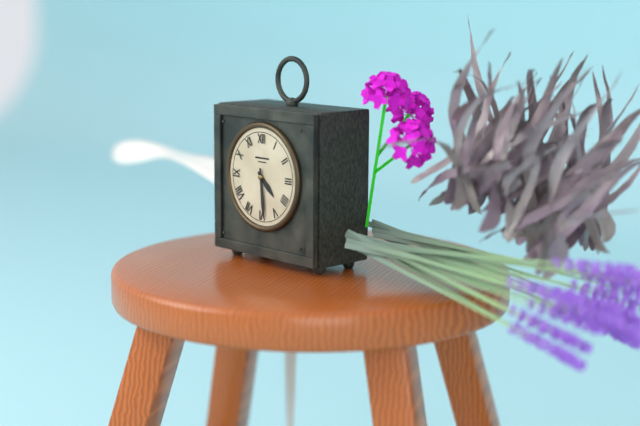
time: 4:29
